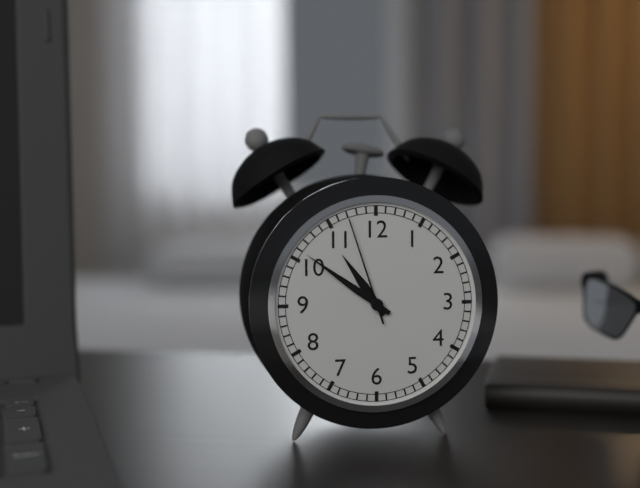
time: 10:51:57
